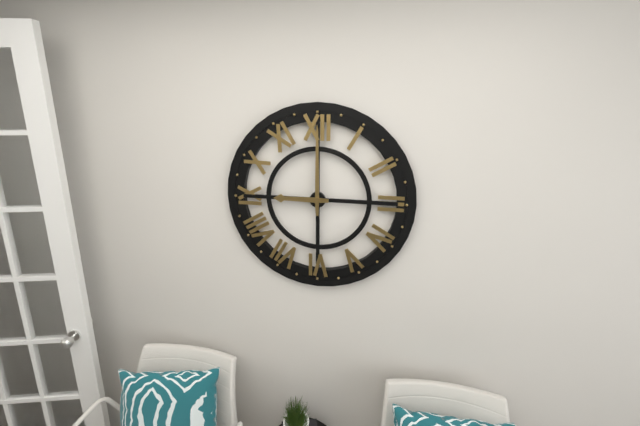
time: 9:00
